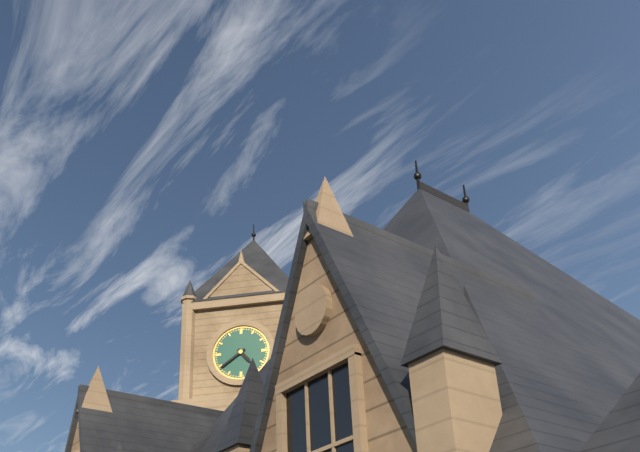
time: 4:39
